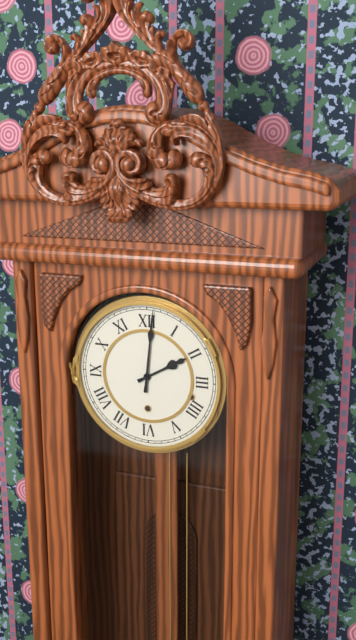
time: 2:01
